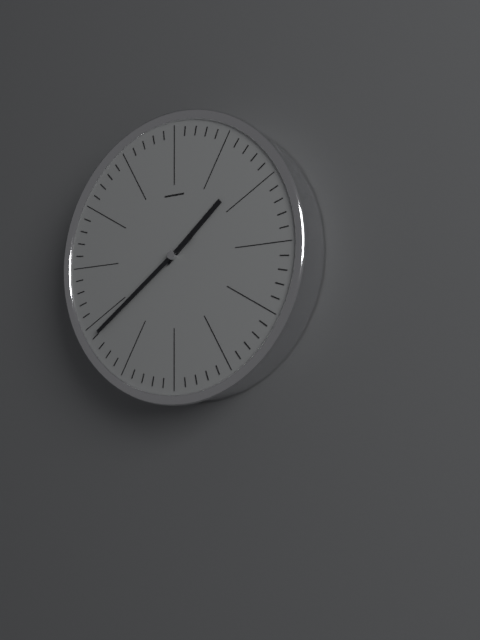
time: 1:39
